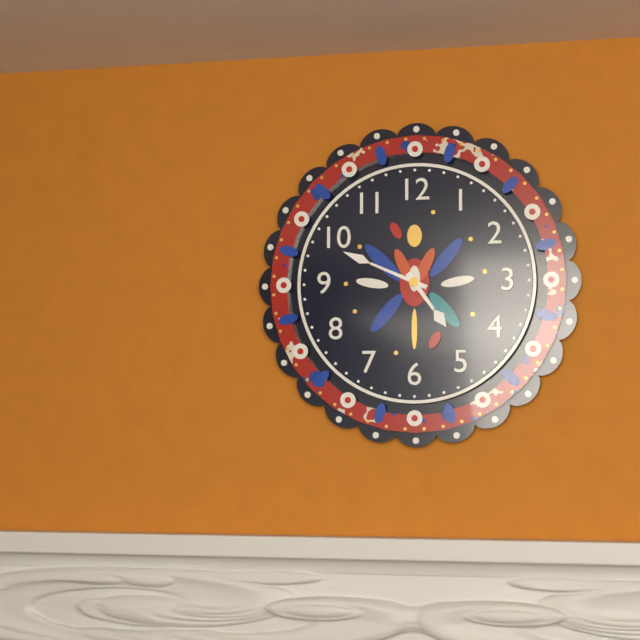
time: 4:49
